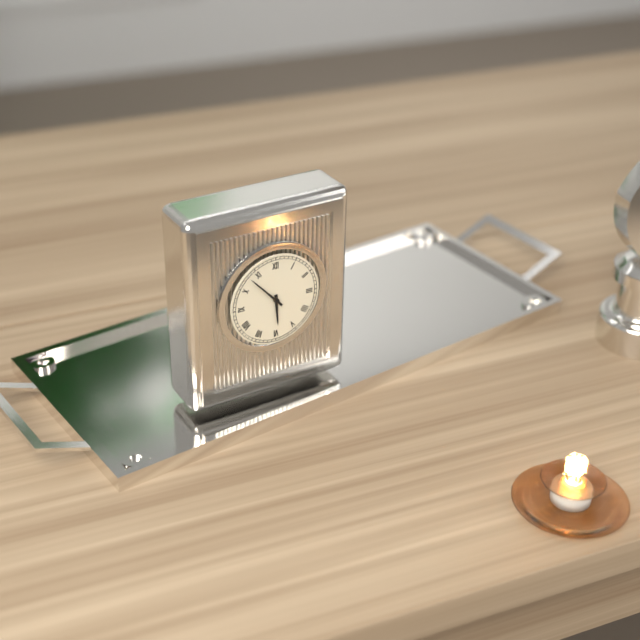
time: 5:53
